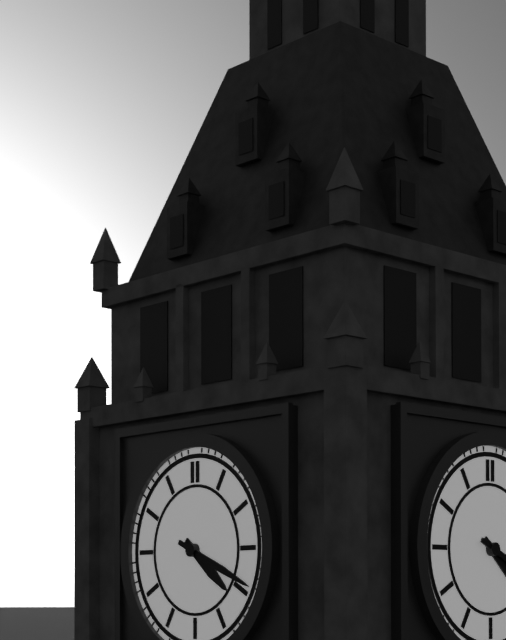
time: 4:19
